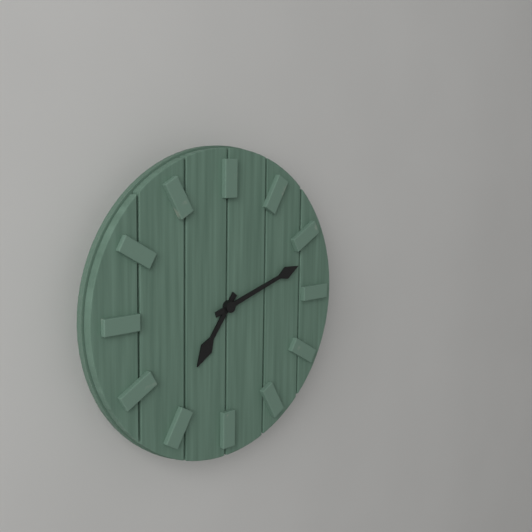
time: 7:12
